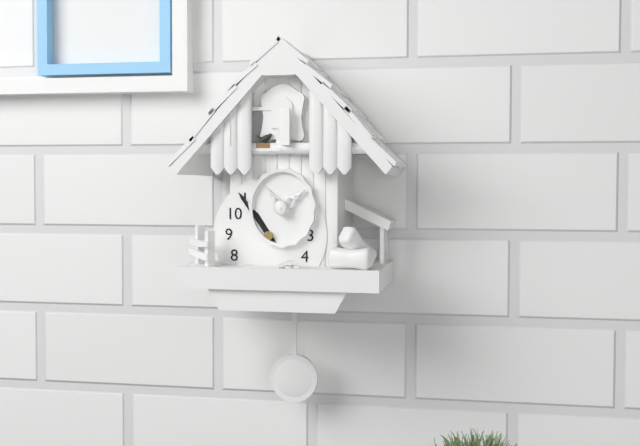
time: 10:54
